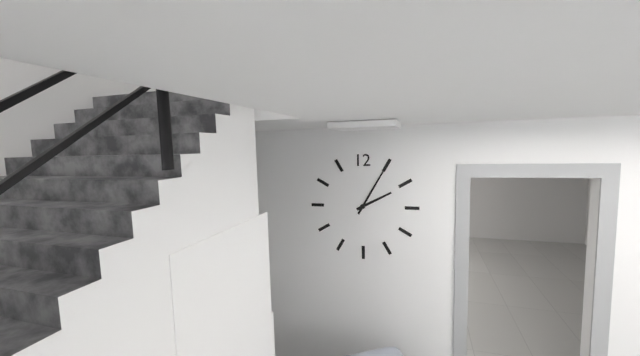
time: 2:05
